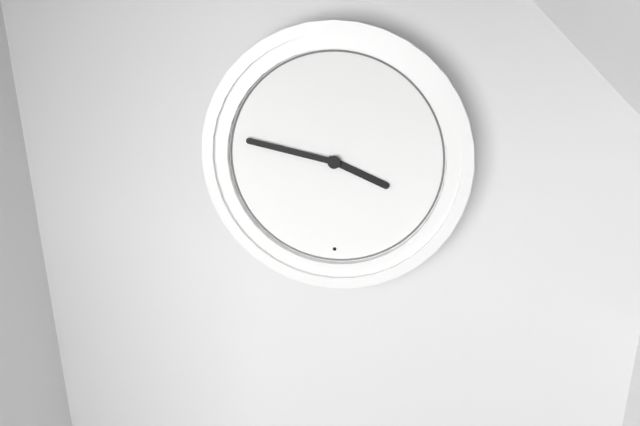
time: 3:47
